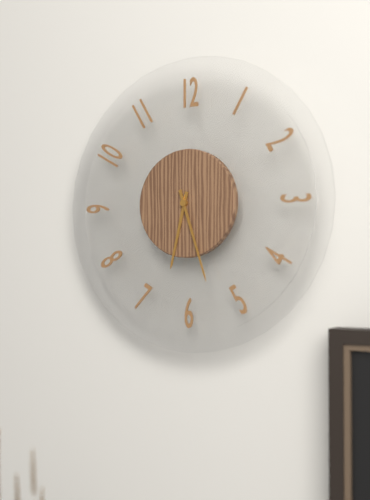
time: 6:27
